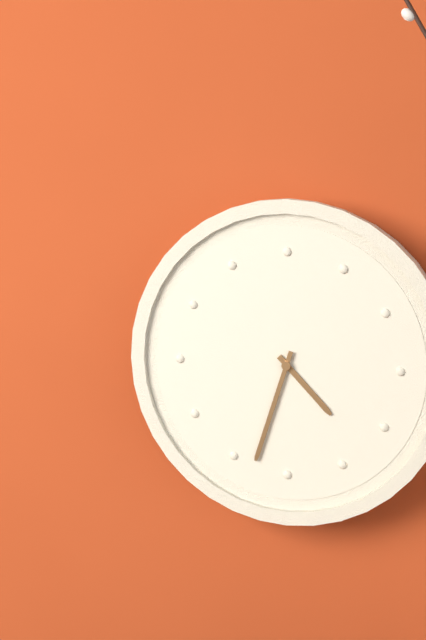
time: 4:33
